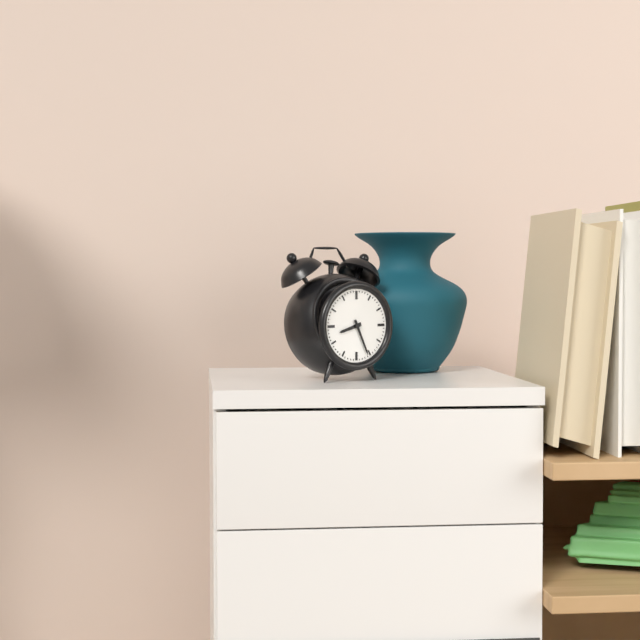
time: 8:26
